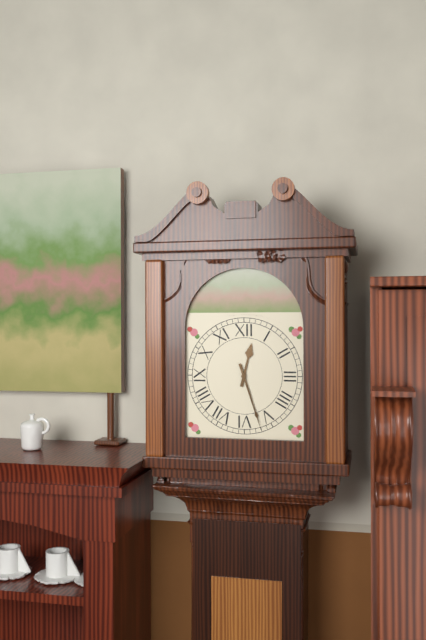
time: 12:27
